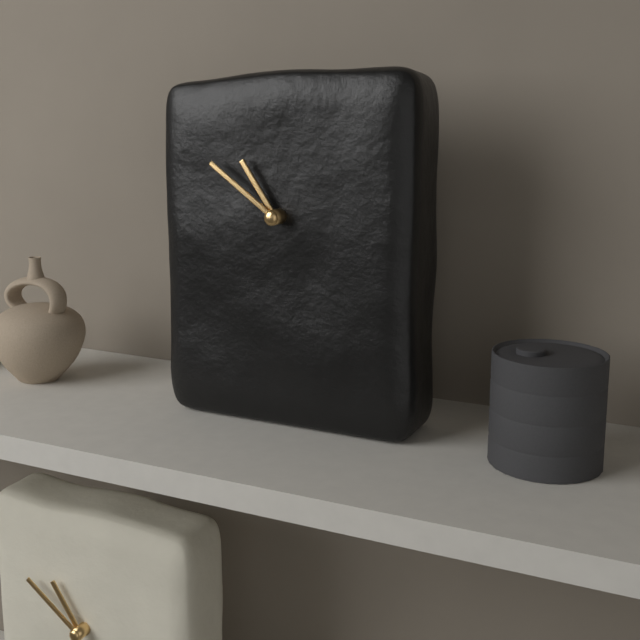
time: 10:51
